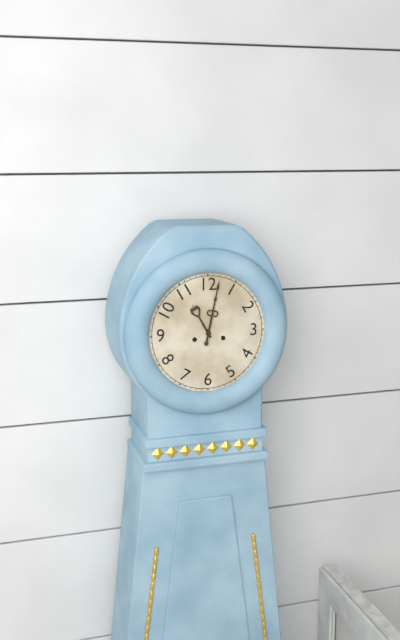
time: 11:02
